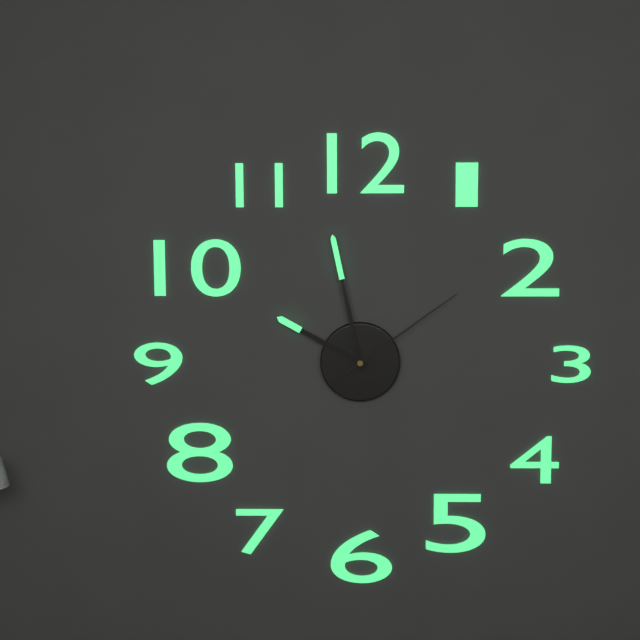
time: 9:58:09
